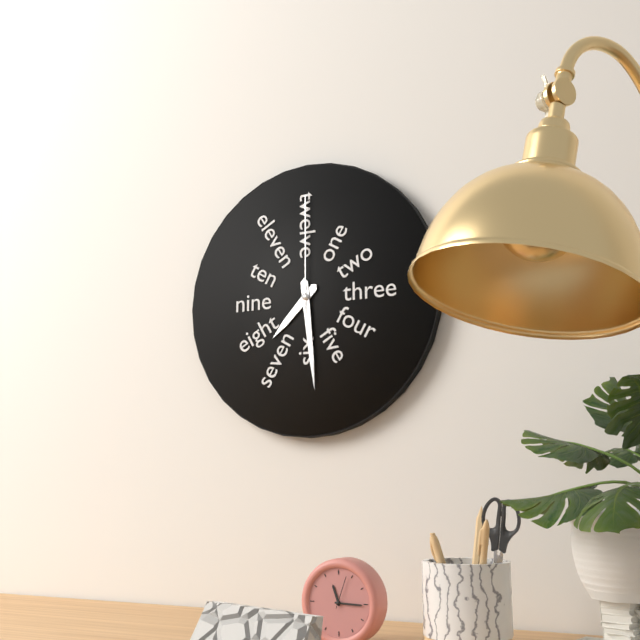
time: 7:29:00
